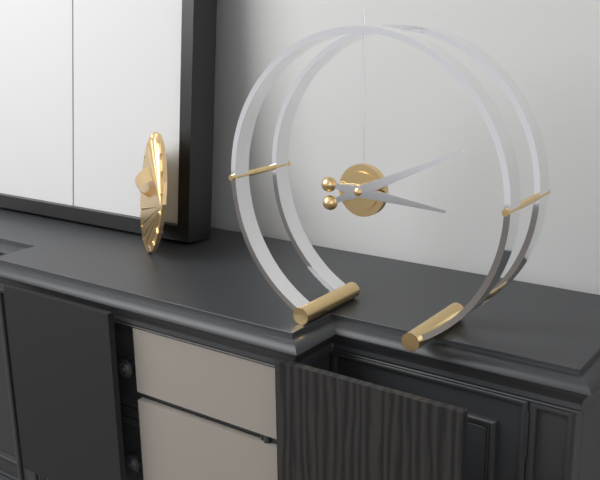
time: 3:11
